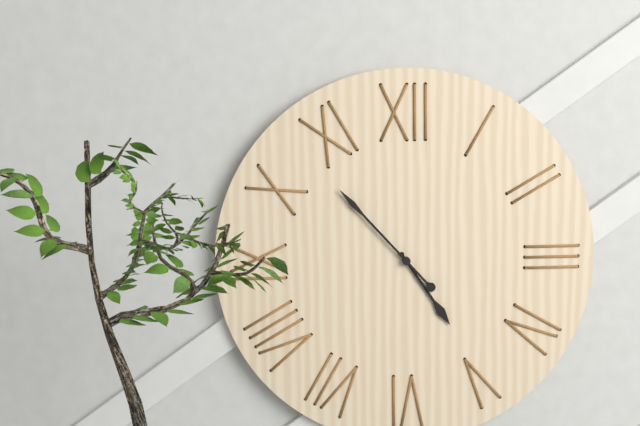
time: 4:53
